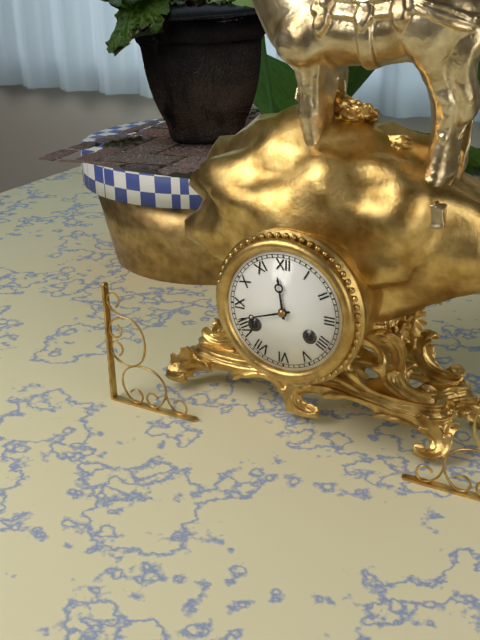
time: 11:42
